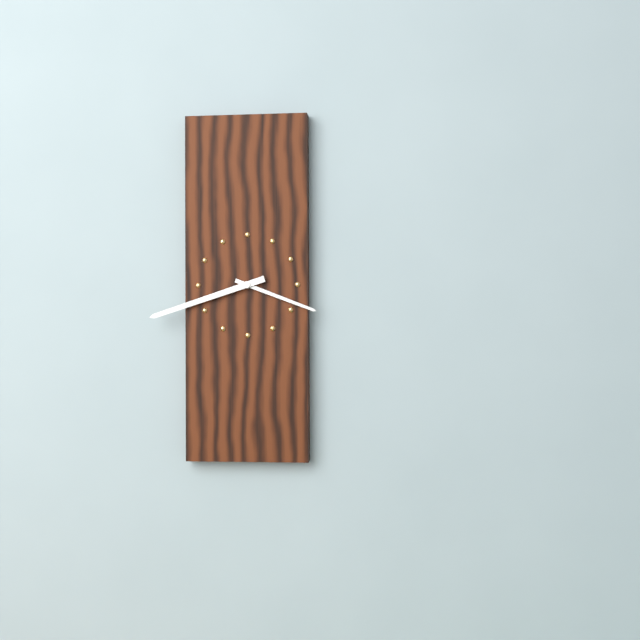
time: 3:42
